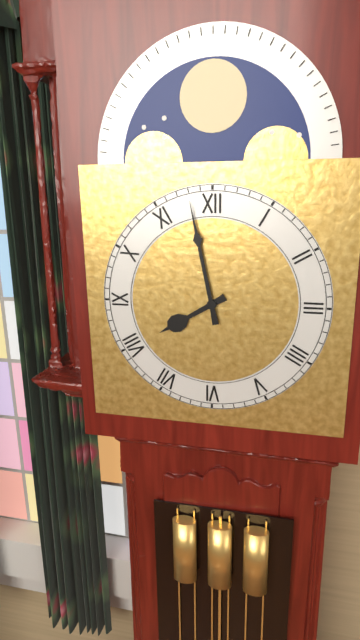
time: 7:58
